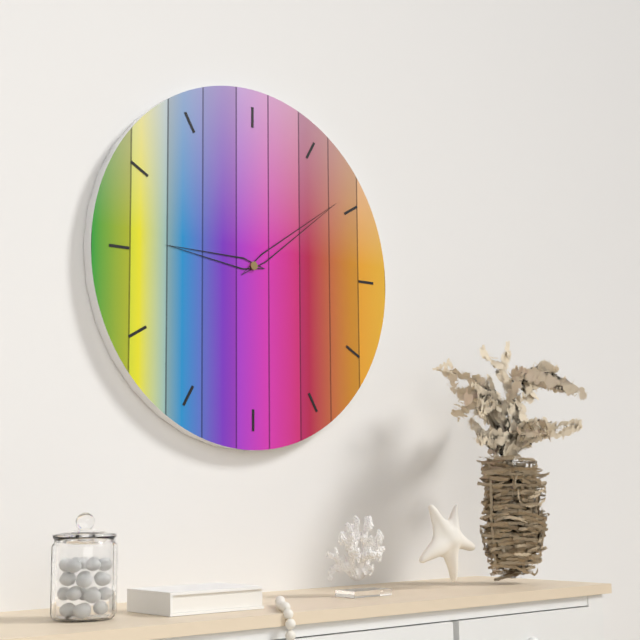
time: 9:09
